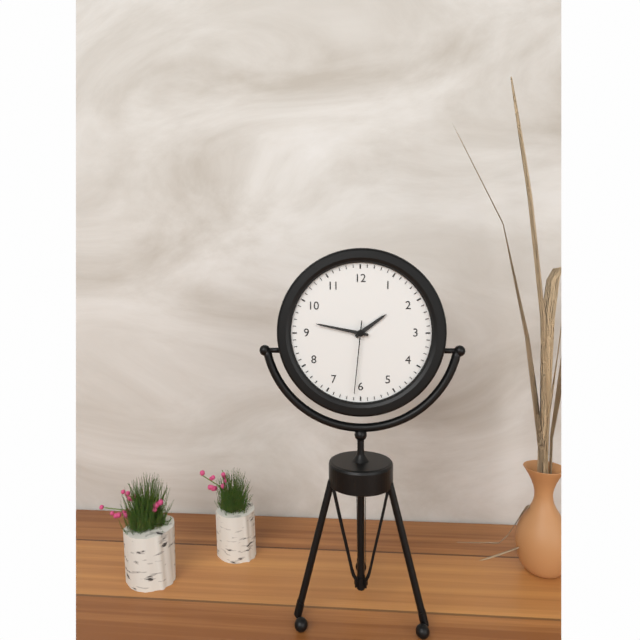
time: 1:47:31
